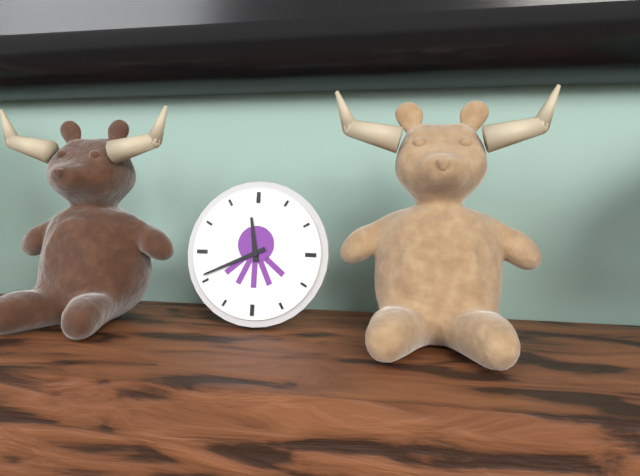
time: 11:41
